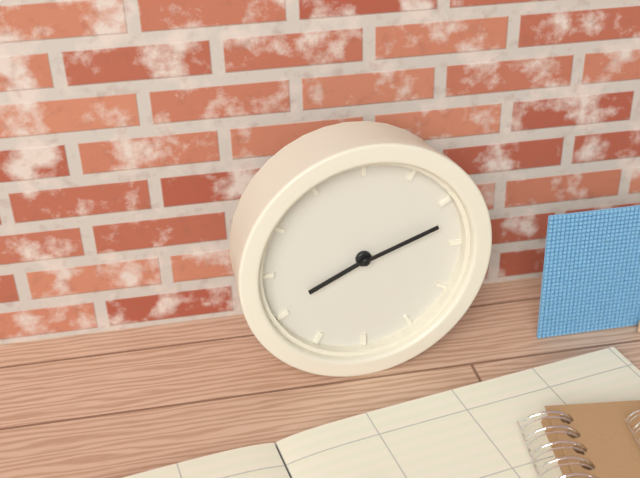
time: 8:12
